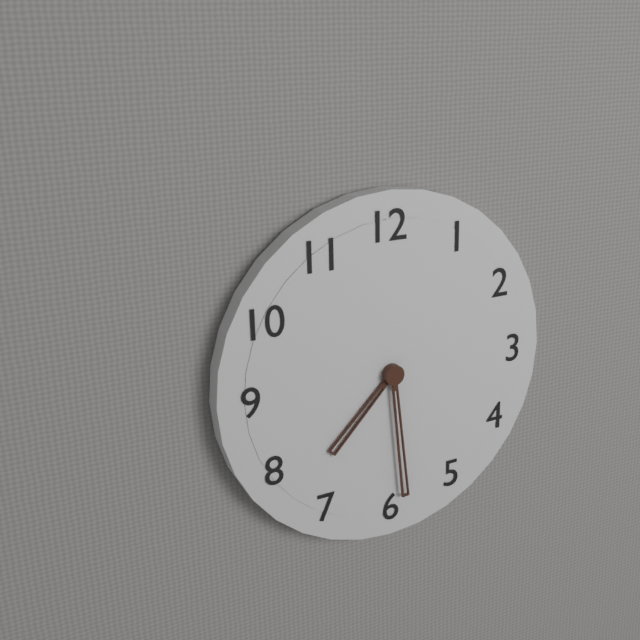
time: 7:29
